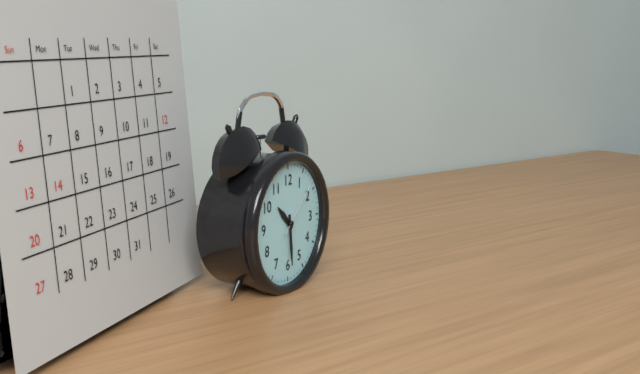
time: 10:29:08
